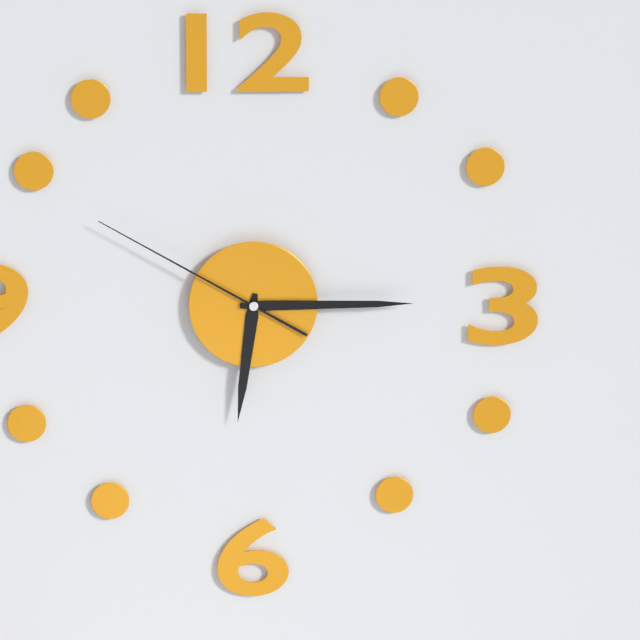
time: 6:15:50
